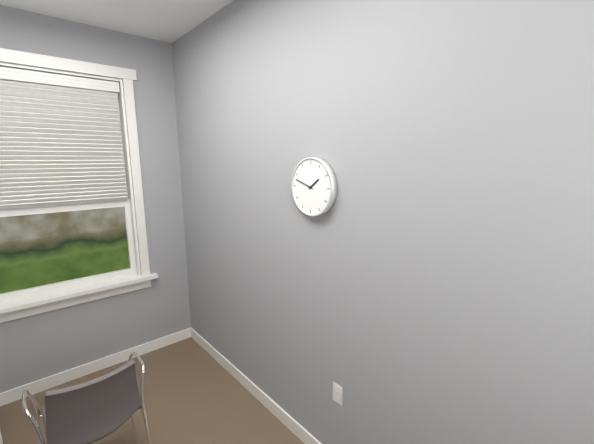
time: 1:48
